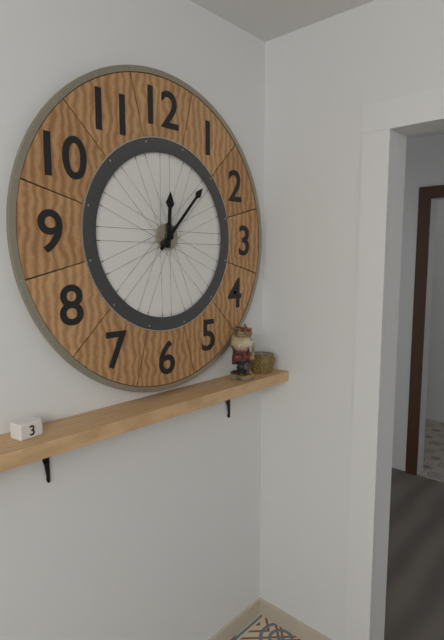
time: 12:07
